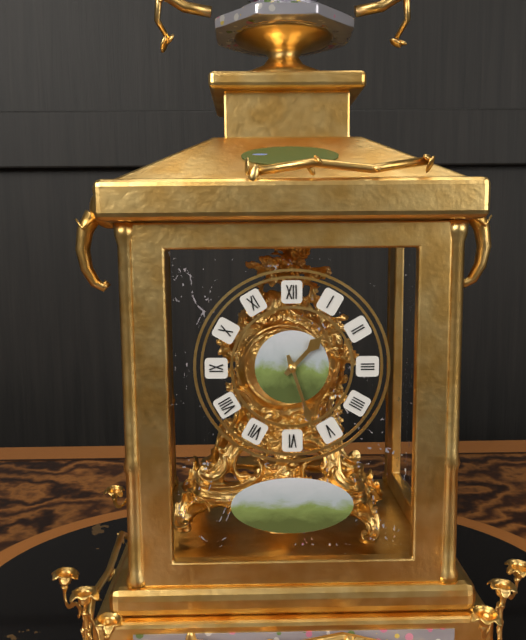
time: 1:27
